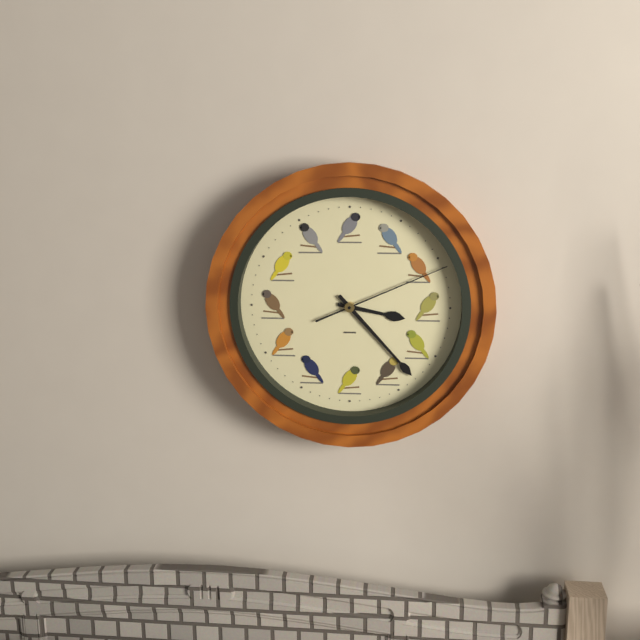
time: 3:23:11
